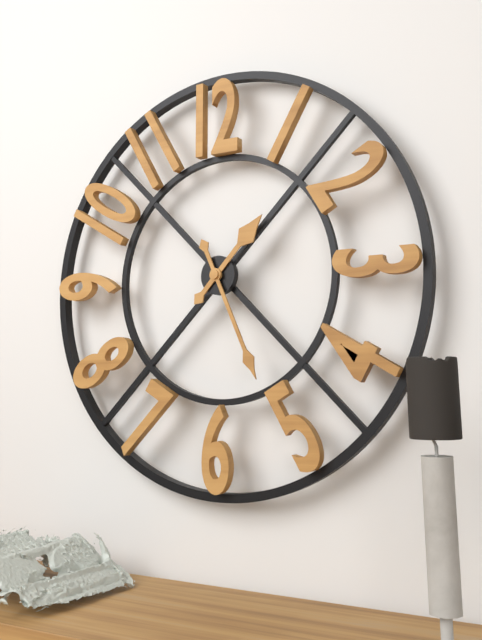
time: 1:26
